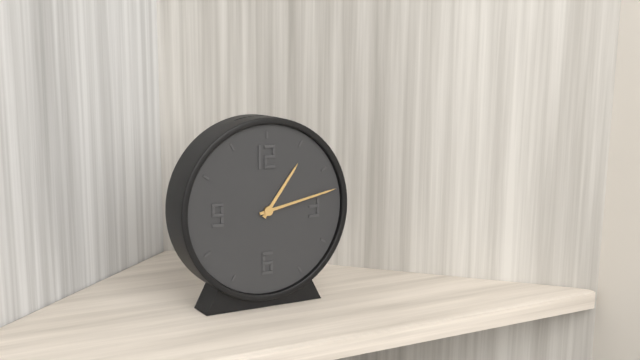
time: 1:13
